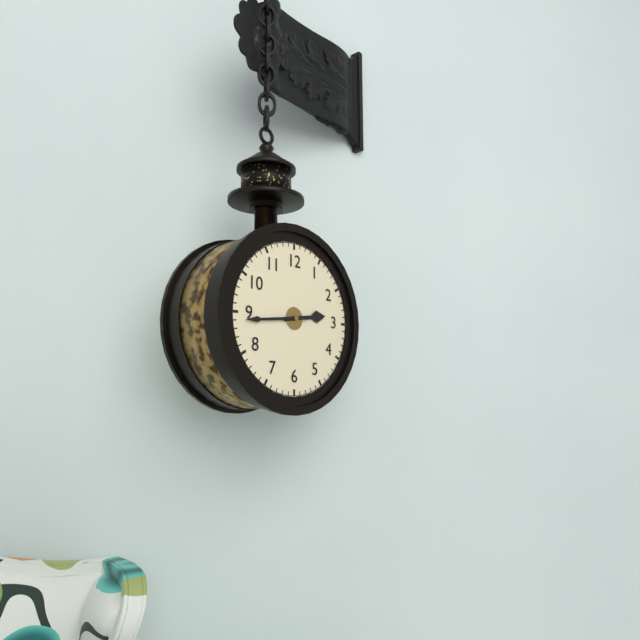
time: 2:44
